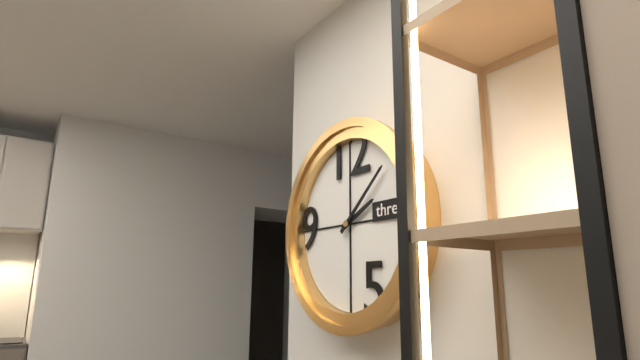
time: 2:08
